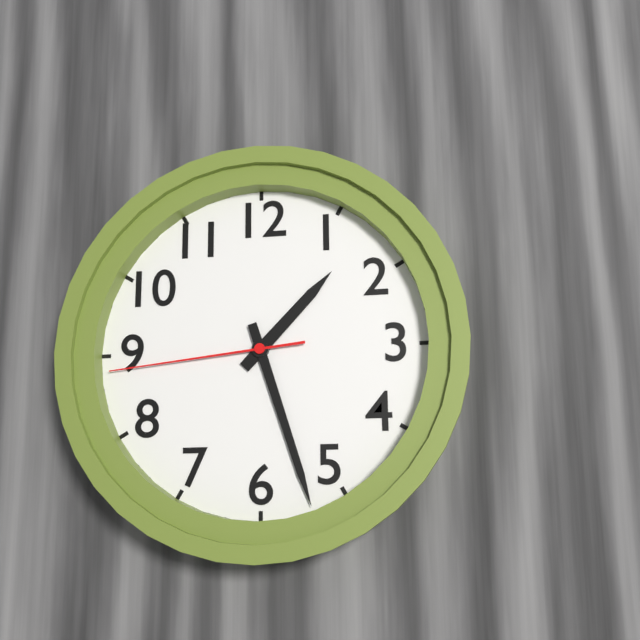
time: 1:27:44
